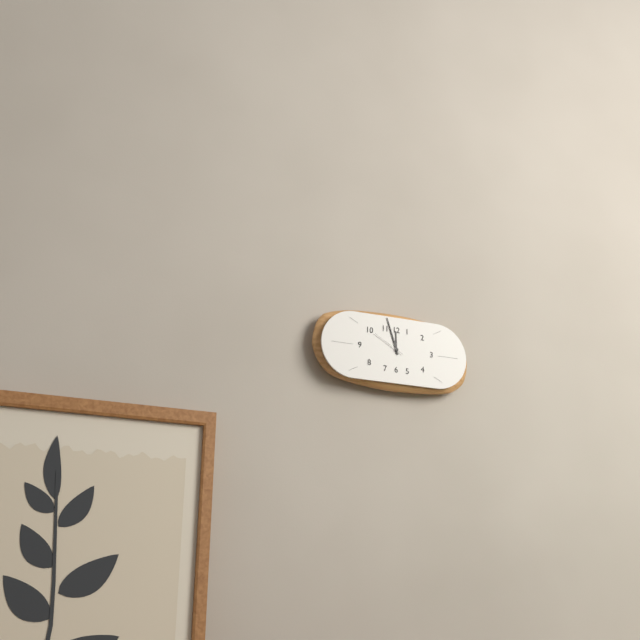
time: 11:57
